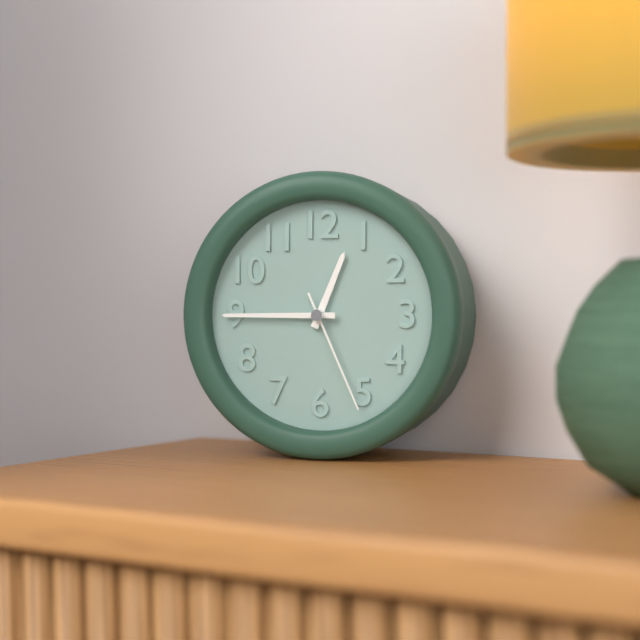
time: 12:45:26
